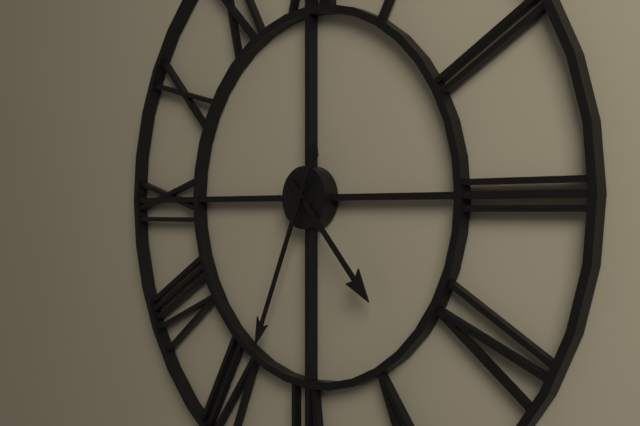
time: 4:34
